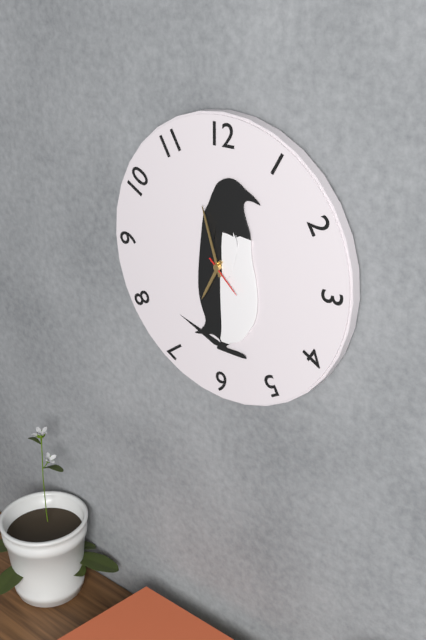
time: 6:57
